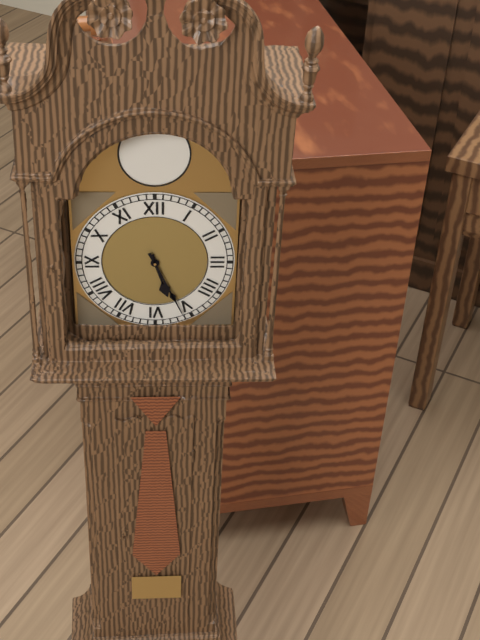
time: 5:26
